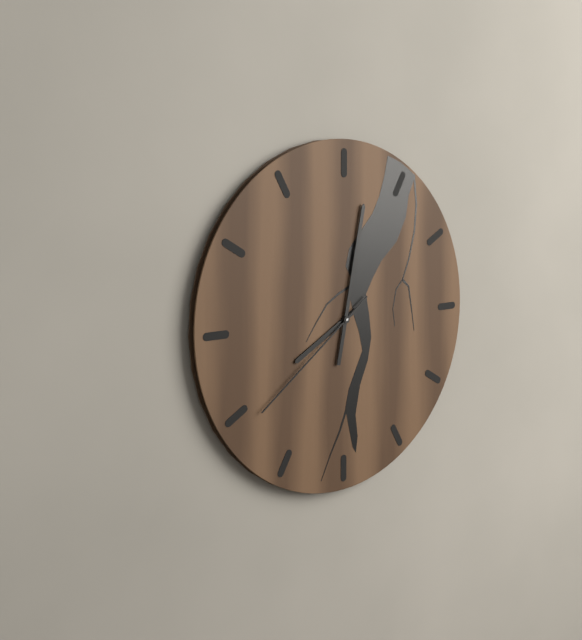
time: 8:02:39
